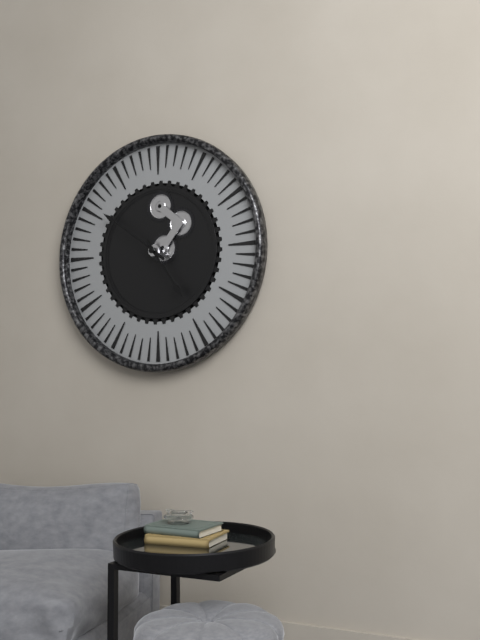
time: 4:51
